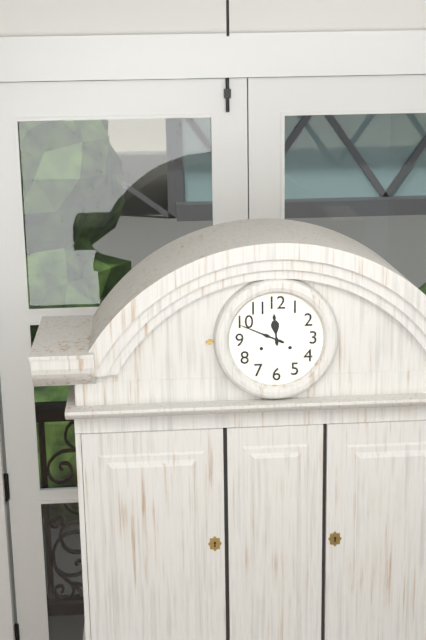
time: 11:49
